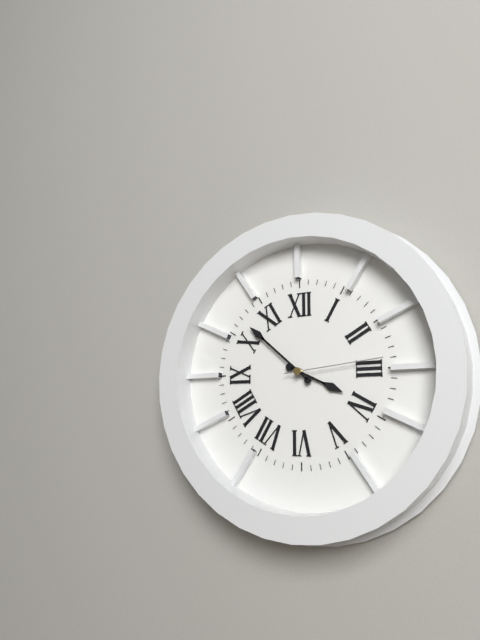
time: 3:52:14
